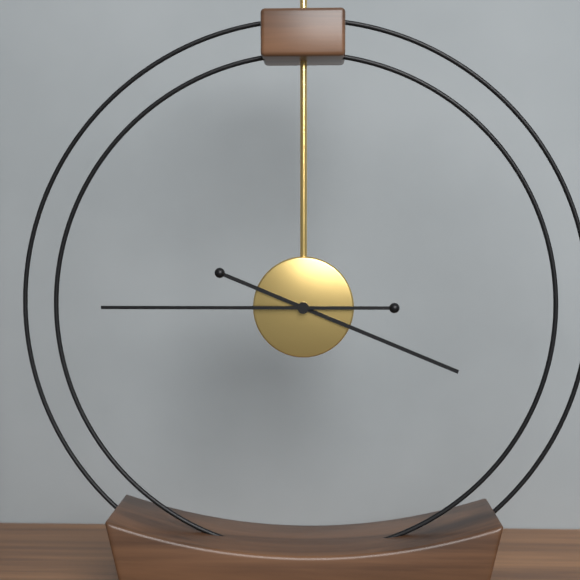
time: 3:45
